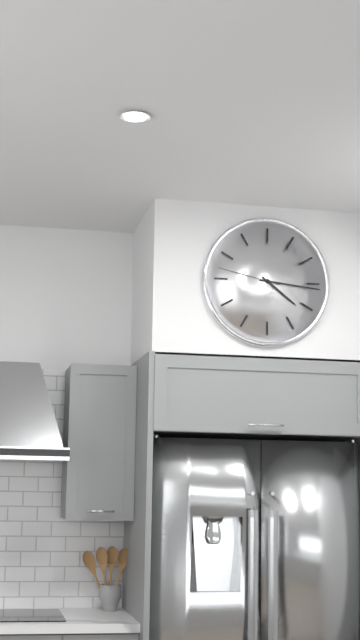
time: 4:16:47
